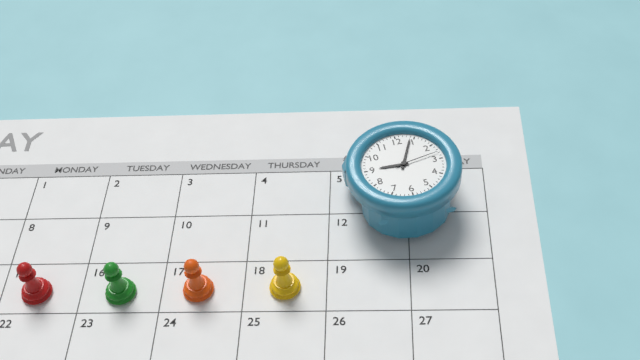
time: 9:04
